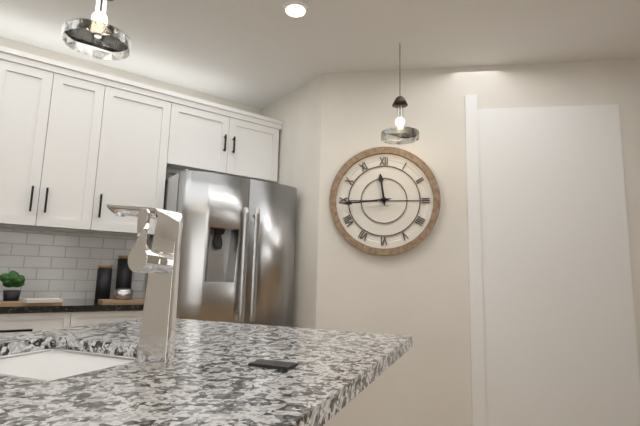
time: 11:44
